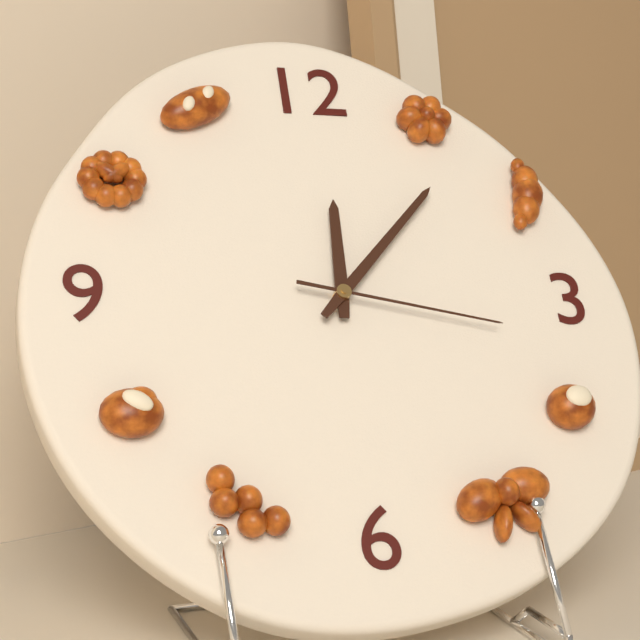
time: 12:07:17
